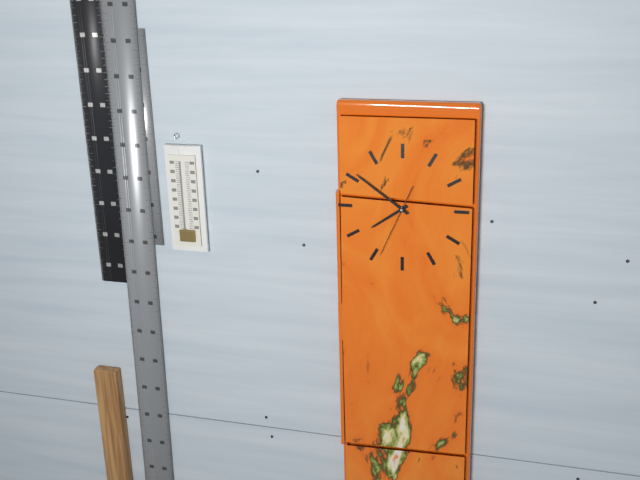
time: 7:51:34
